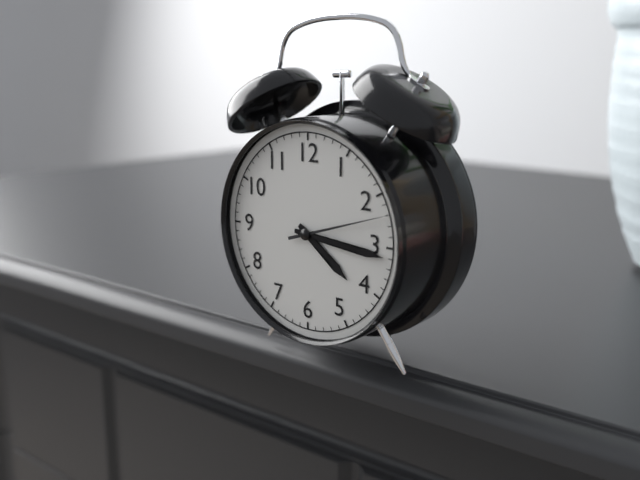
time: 4:16:12
